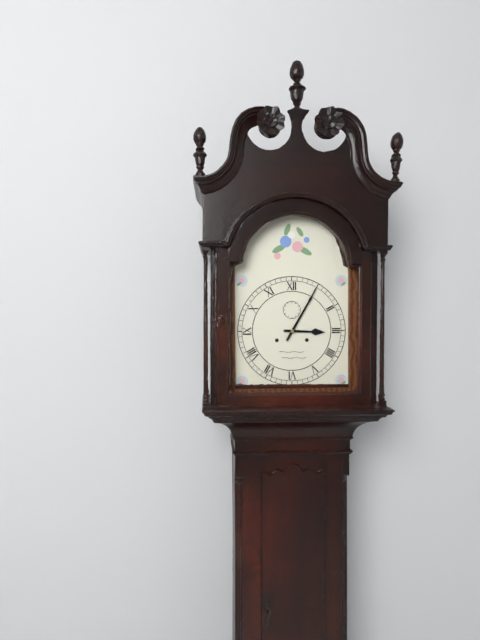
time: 3:05
